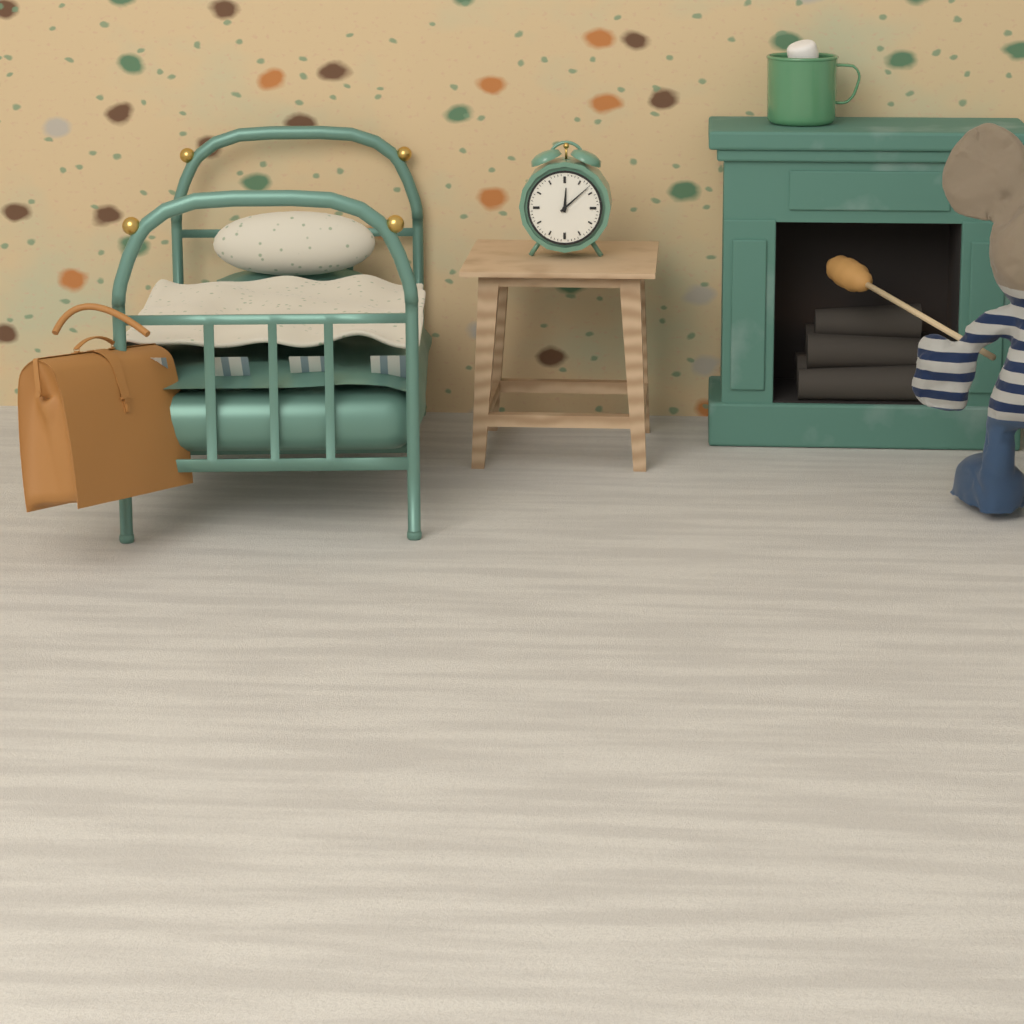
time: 12:08
